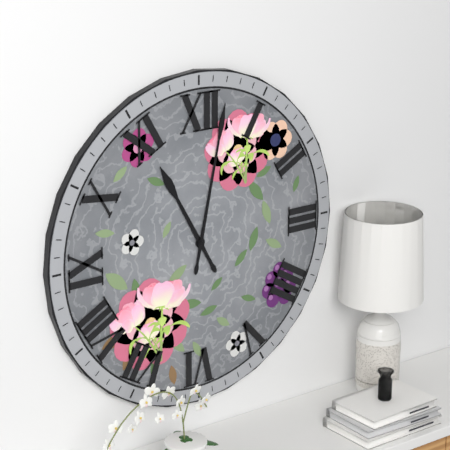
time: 11:02
